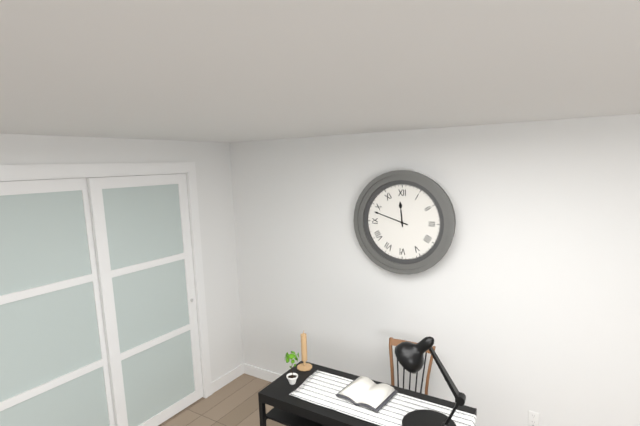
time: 11:48
